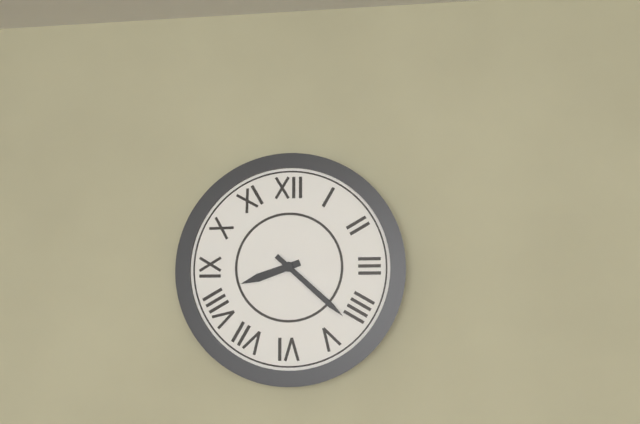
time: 8:22
